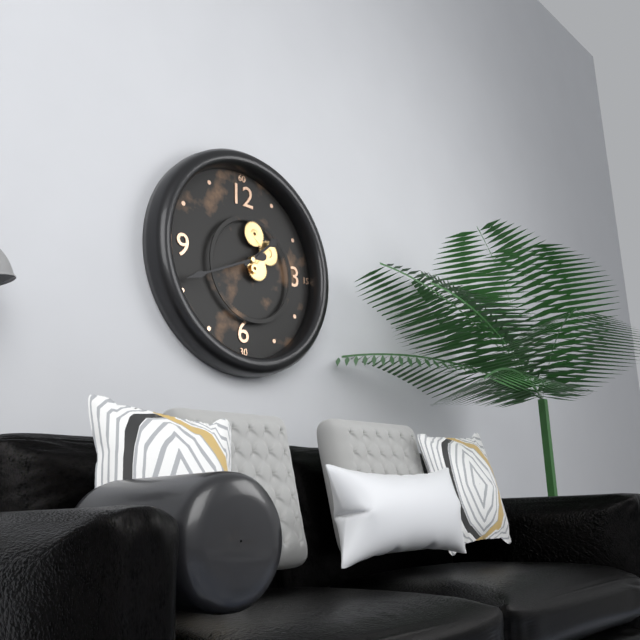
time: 1:41
